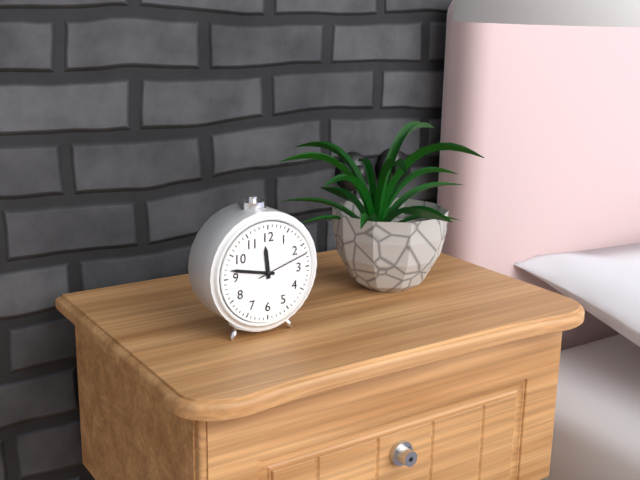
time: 11:47:12
